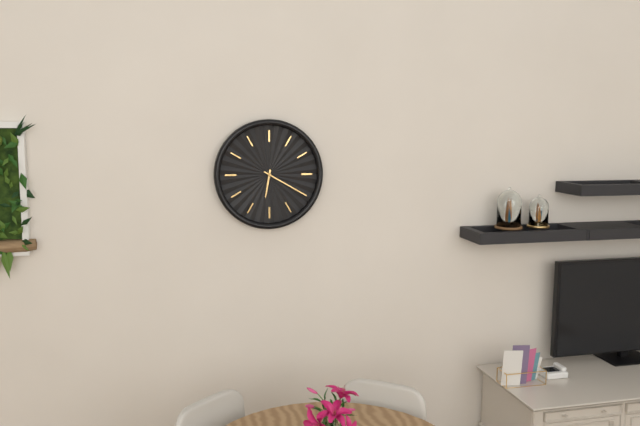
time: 6:20
